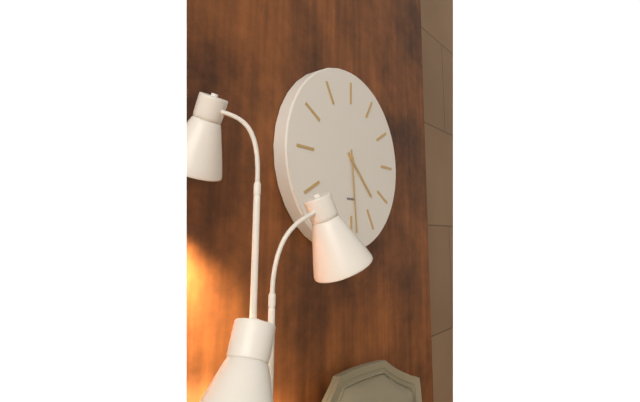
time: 4:29
